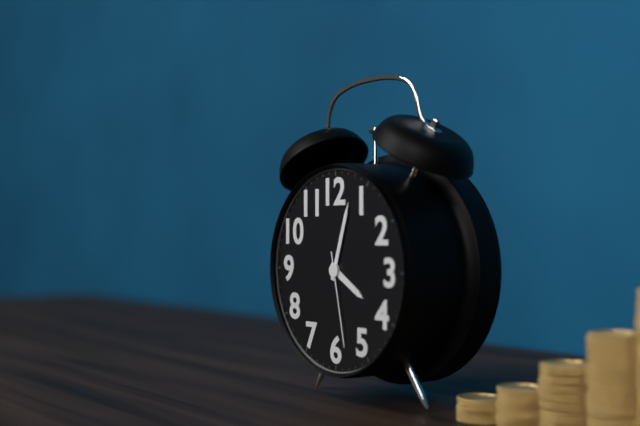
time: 4:03:28
